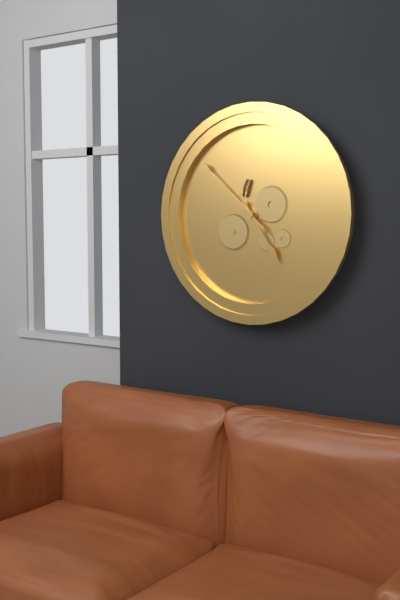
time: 4:52
